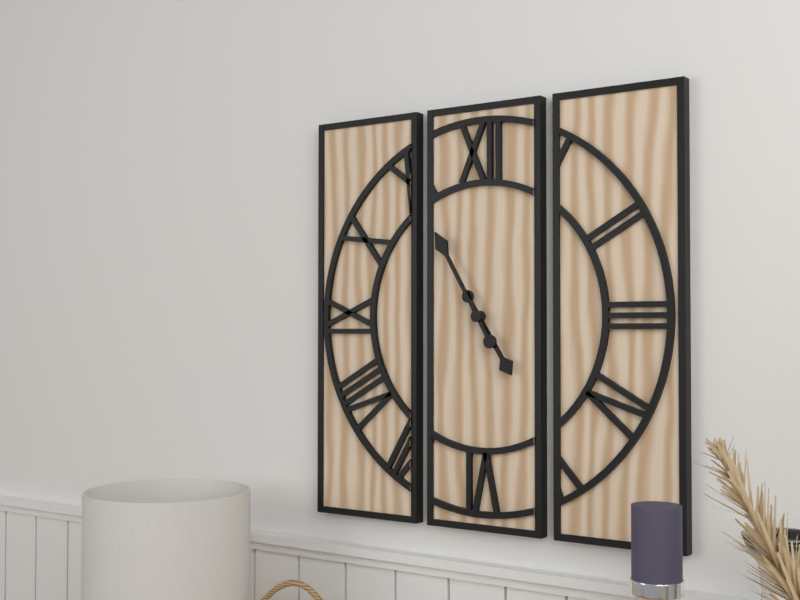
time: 4:55
